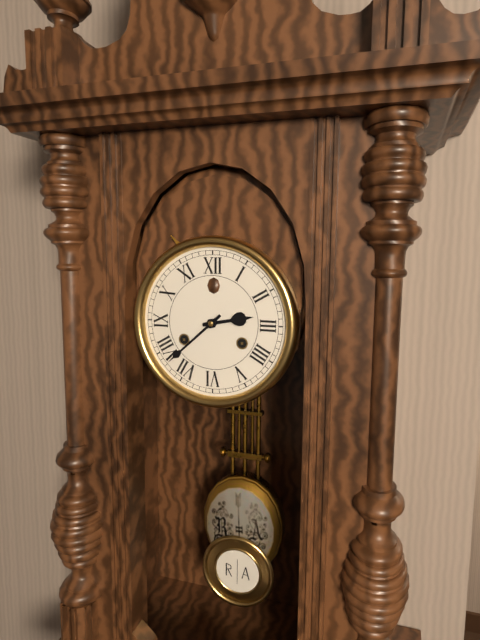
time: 2:38
